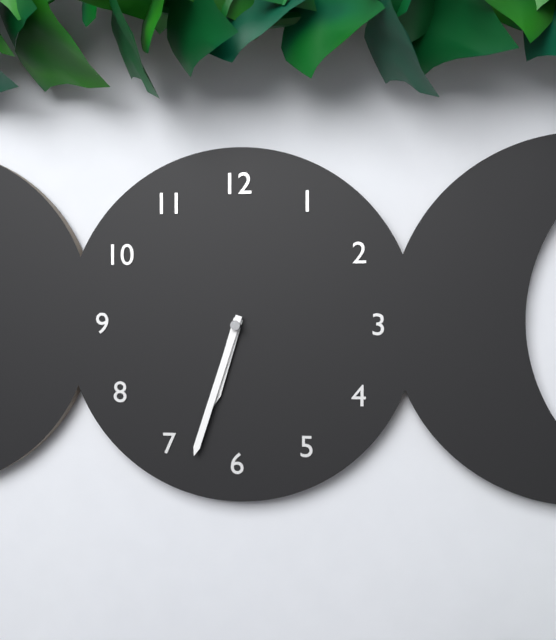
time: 6:33
